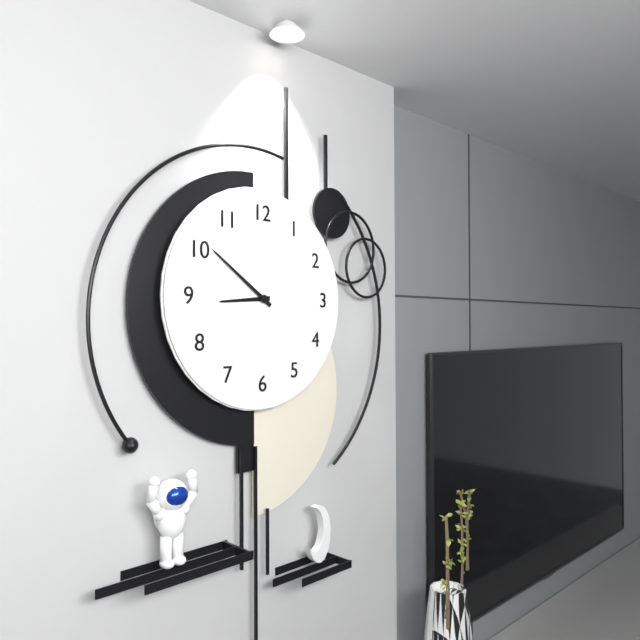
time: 8:51
